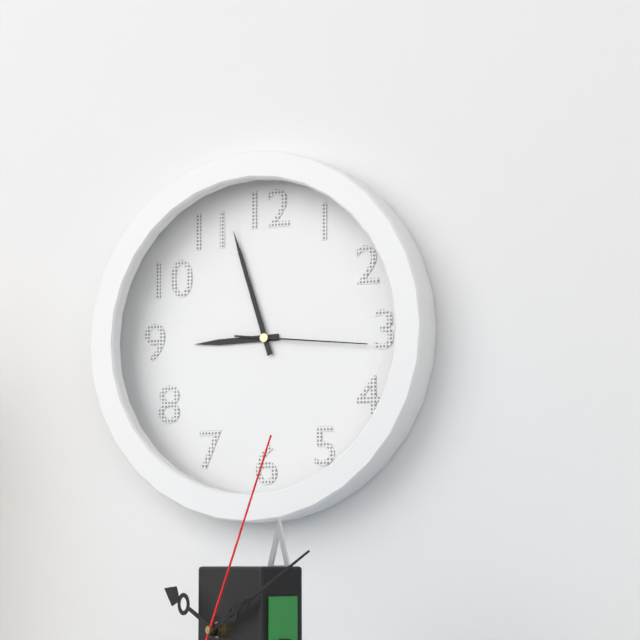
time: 8:57:16
